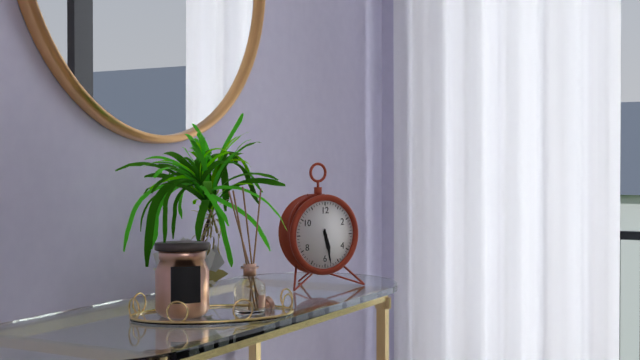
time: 5:28
